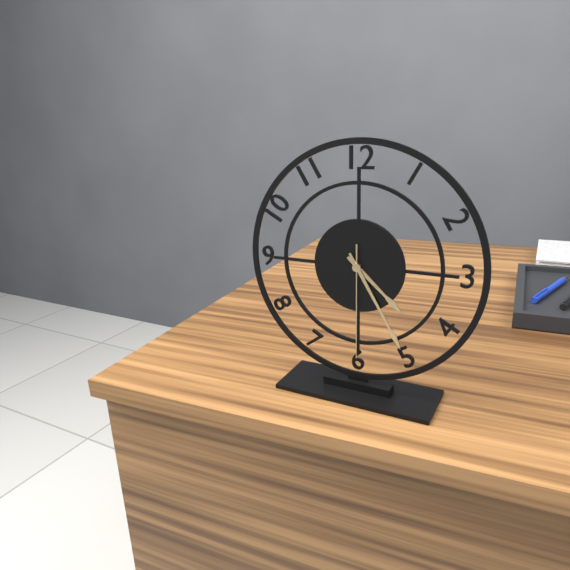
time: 4:25:30
